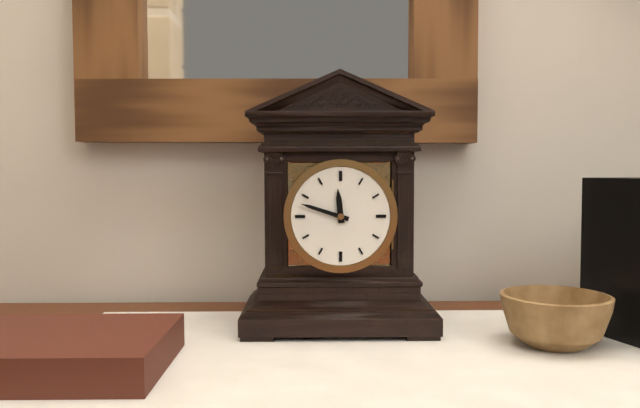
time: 11:48
